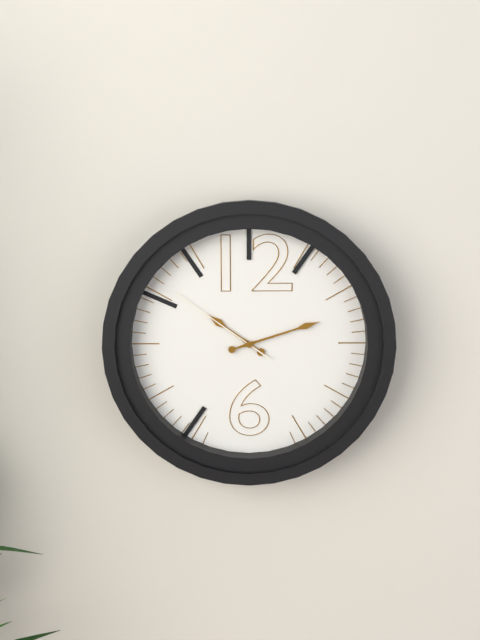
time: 10:12:51
